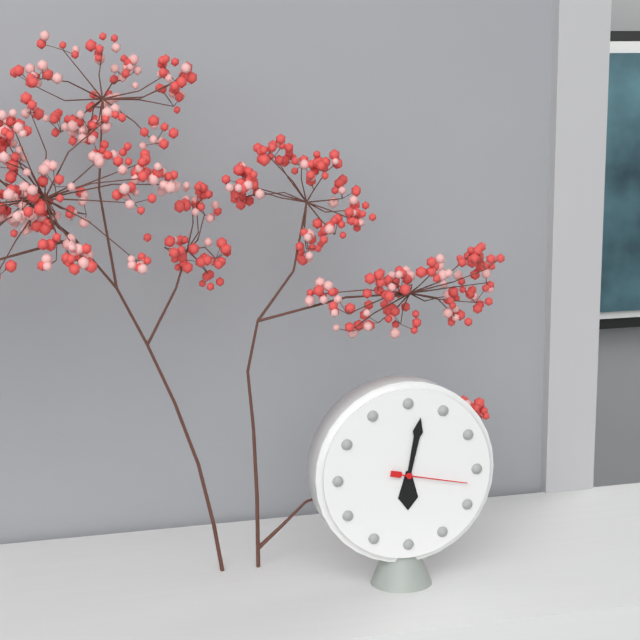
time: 6:02:17
